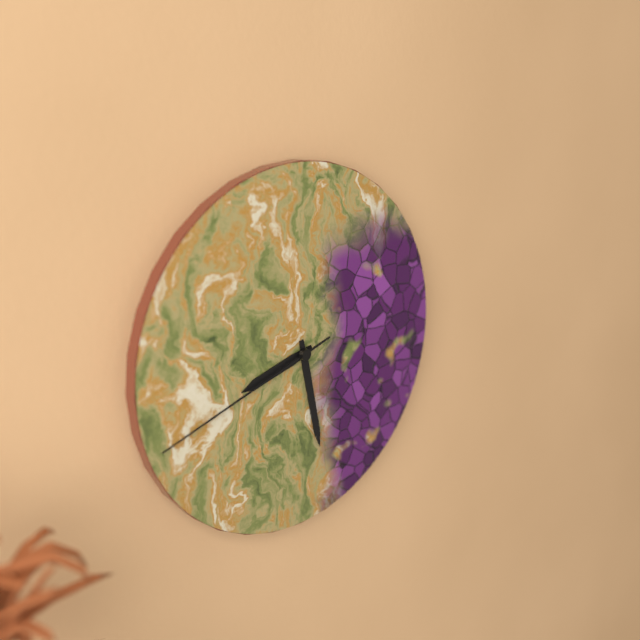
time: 8:28:42
